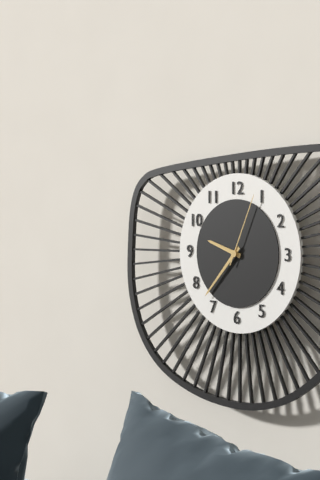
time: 9:37:04
